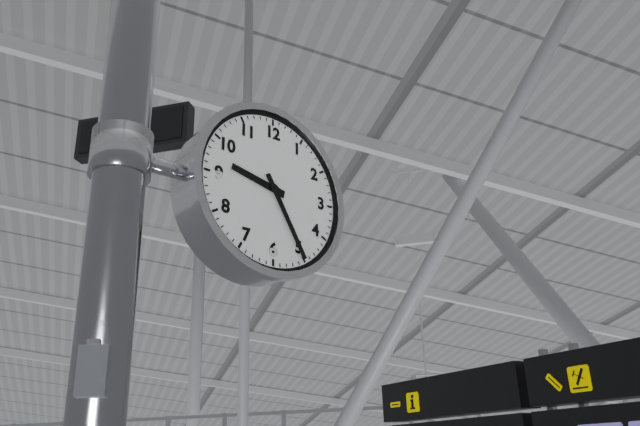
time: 9:25
